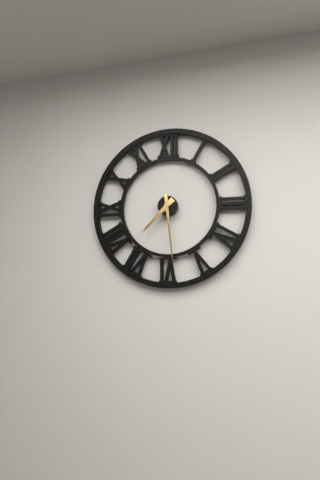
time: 7:29
